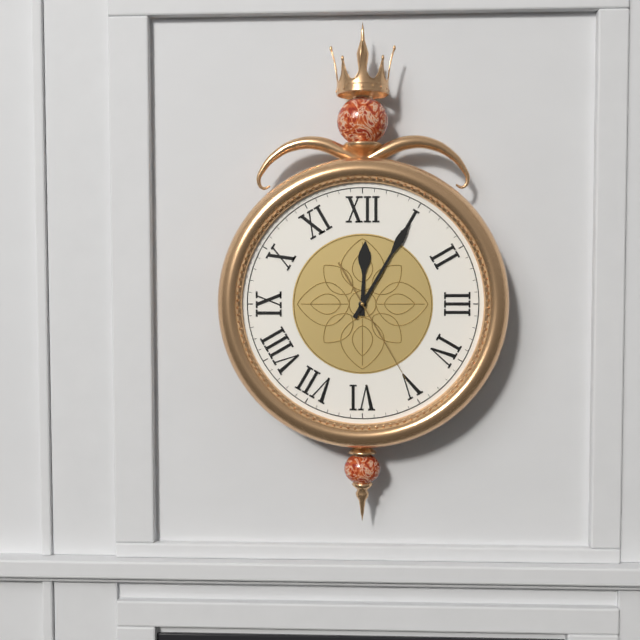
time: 12:05:25
